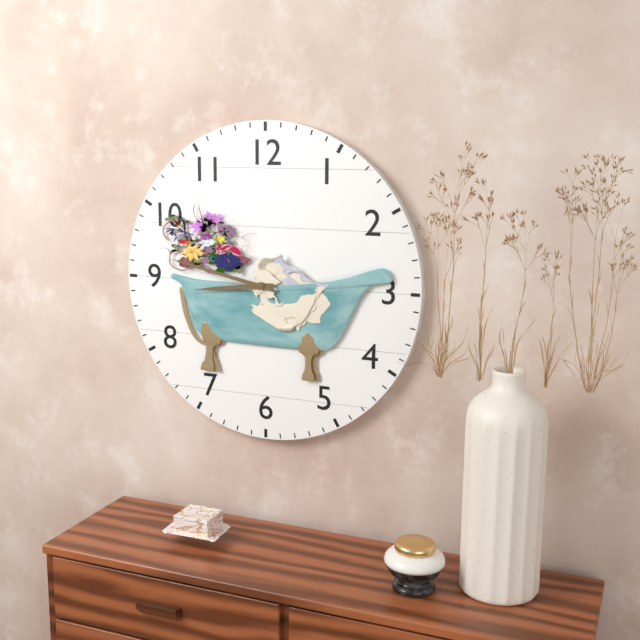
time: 8:47
